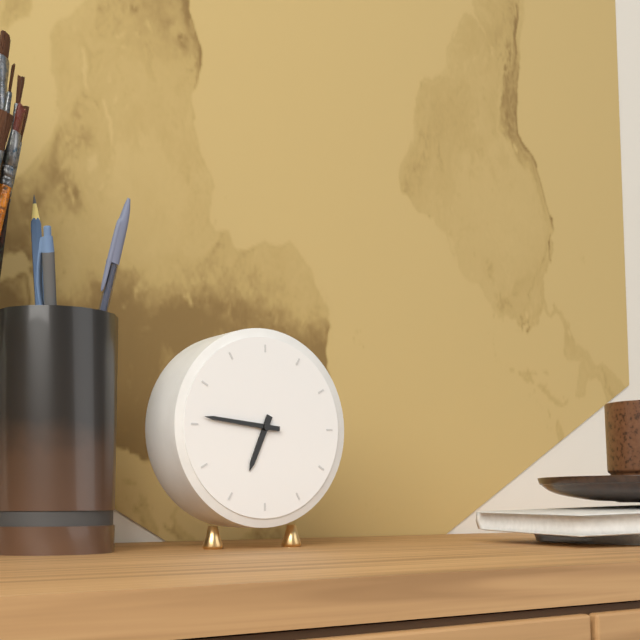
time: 6:46
